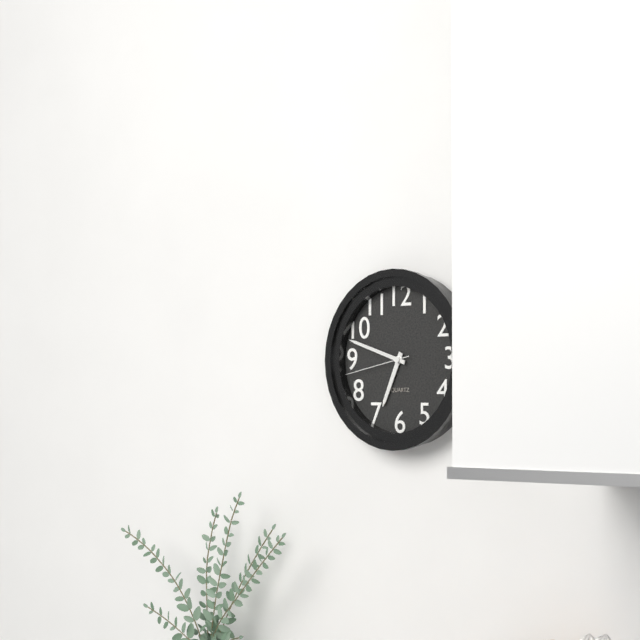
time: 6:48:43
